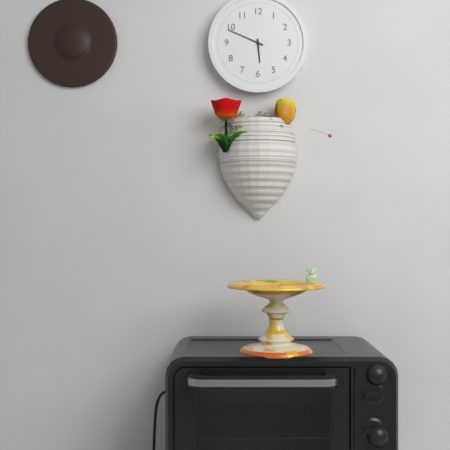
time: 5:49
